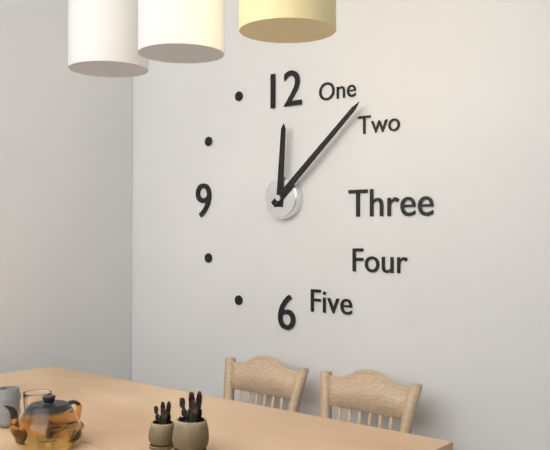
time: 12:08
